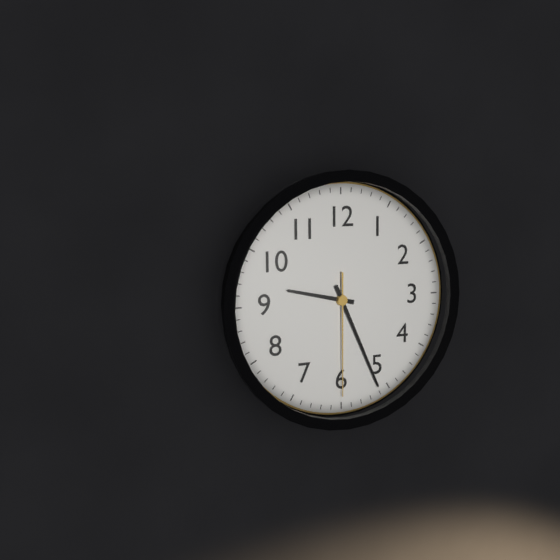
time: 9:26:30
